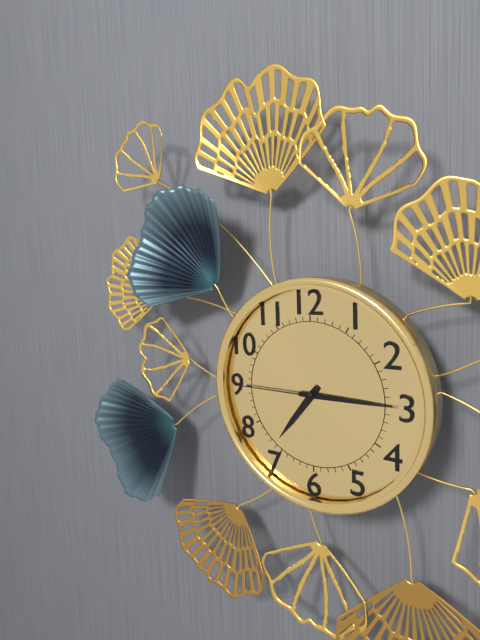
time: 7:15:45
